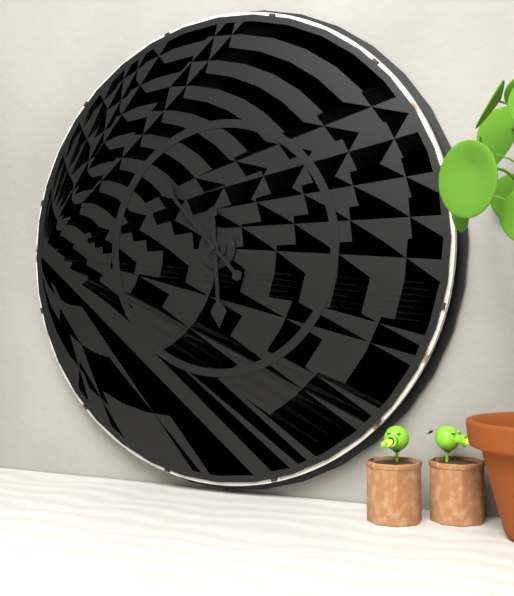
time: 5:53
